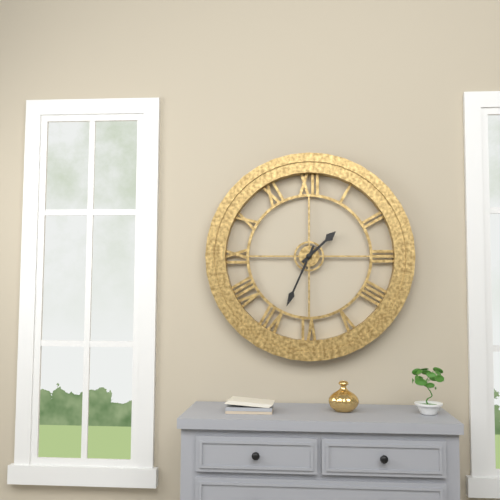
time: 1:34
